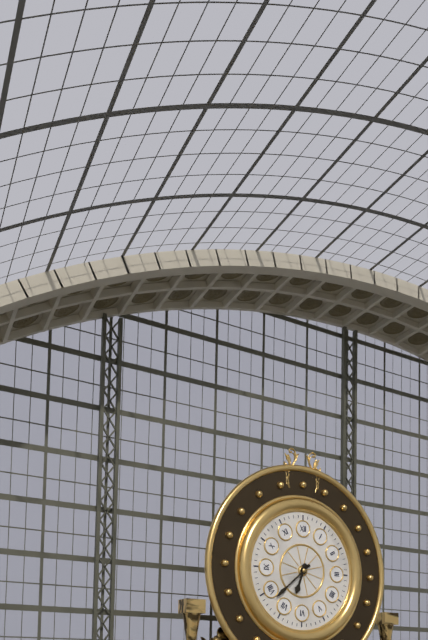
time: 6:38
